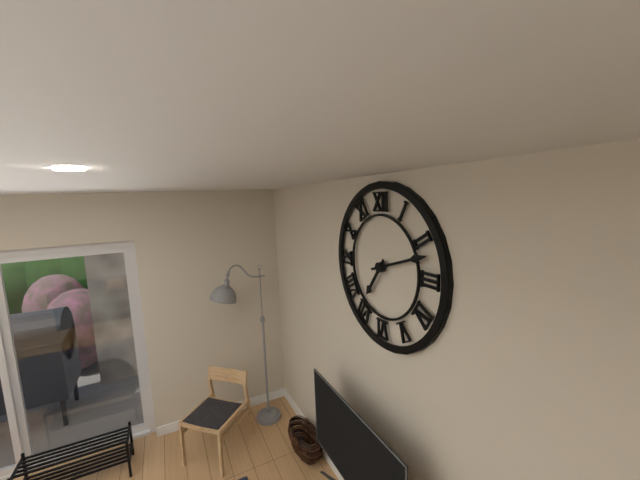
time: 7:12
